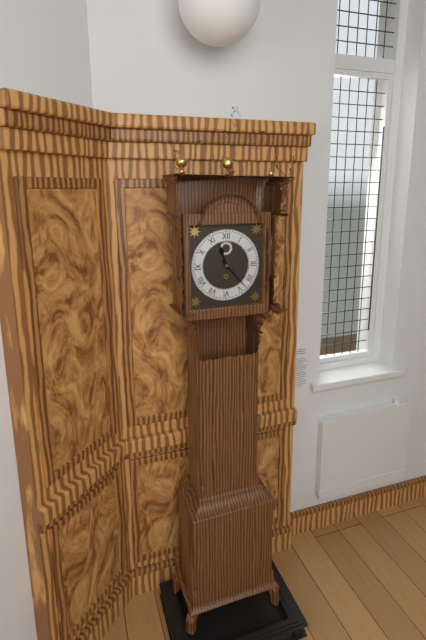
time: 11:23
